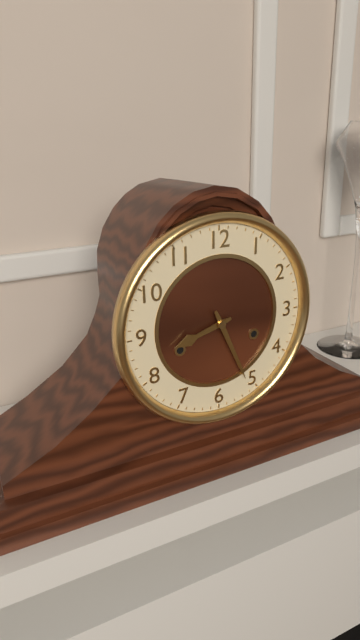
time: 8:26
